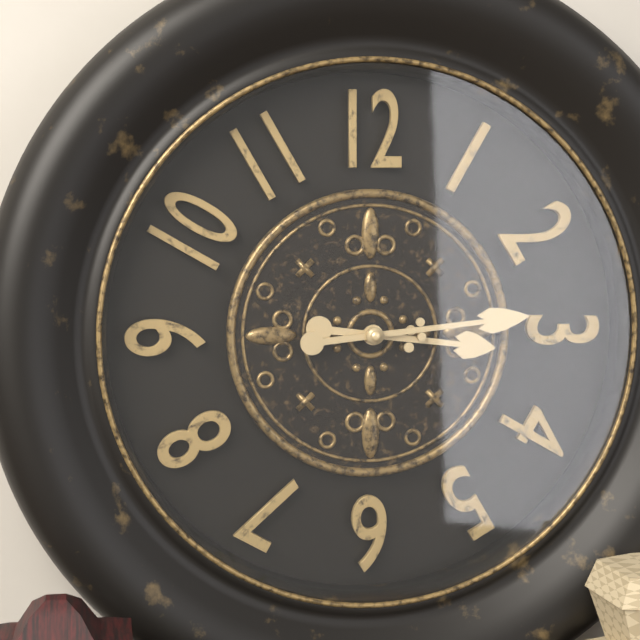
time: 3:14
